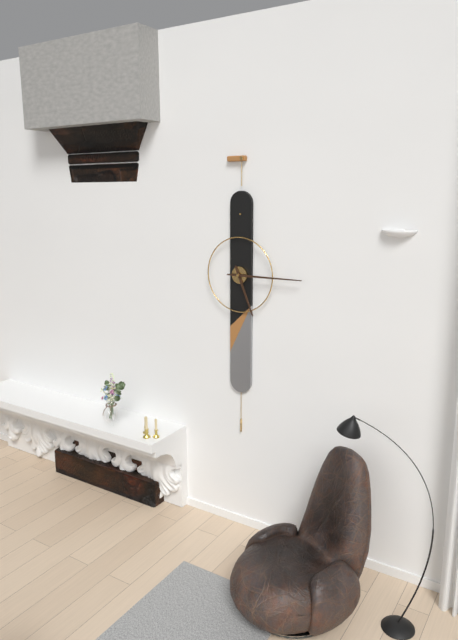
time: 5:15
